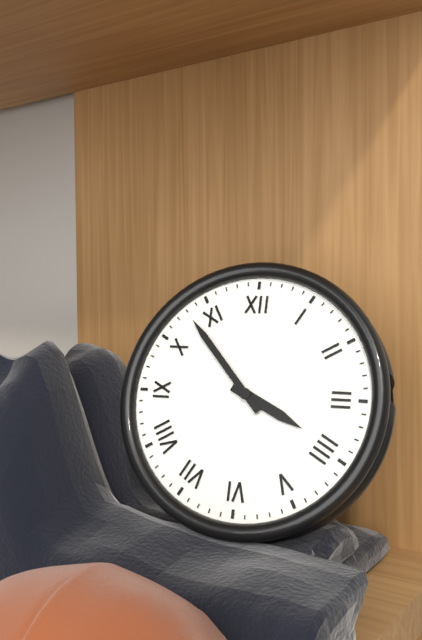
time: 3:53
